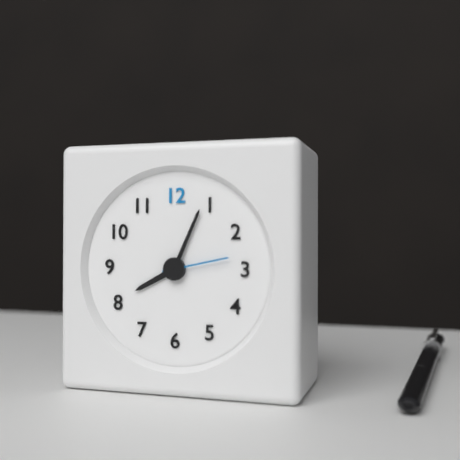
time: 8:04
